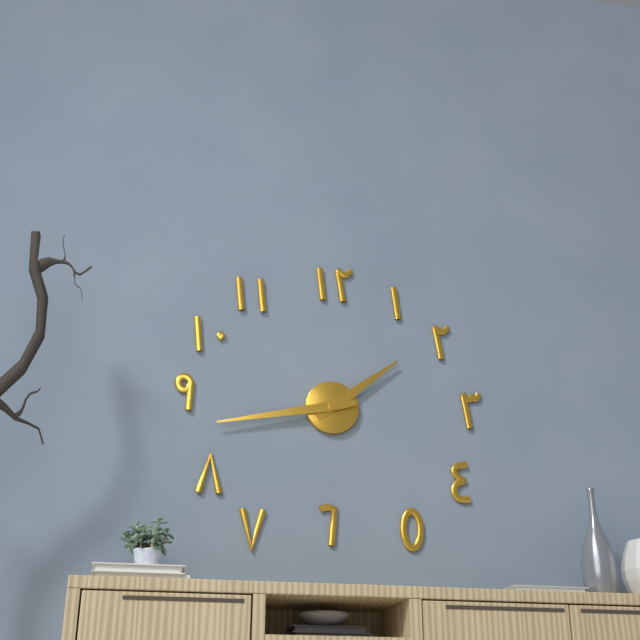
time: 1:43
